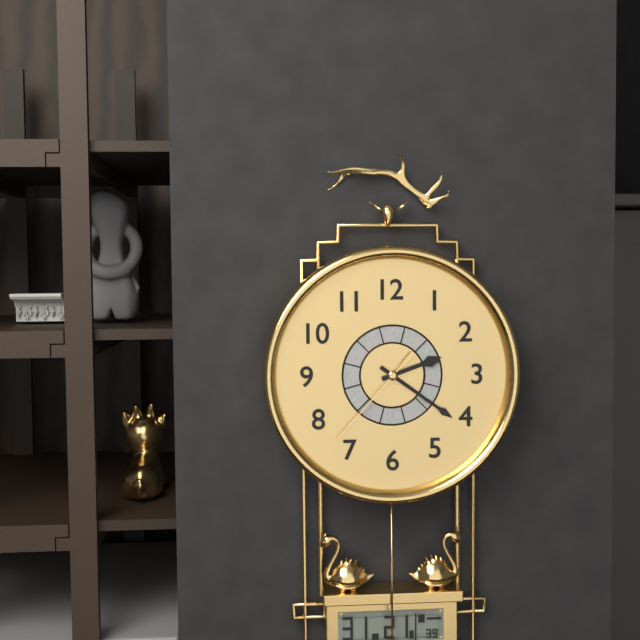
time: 2:21:37
